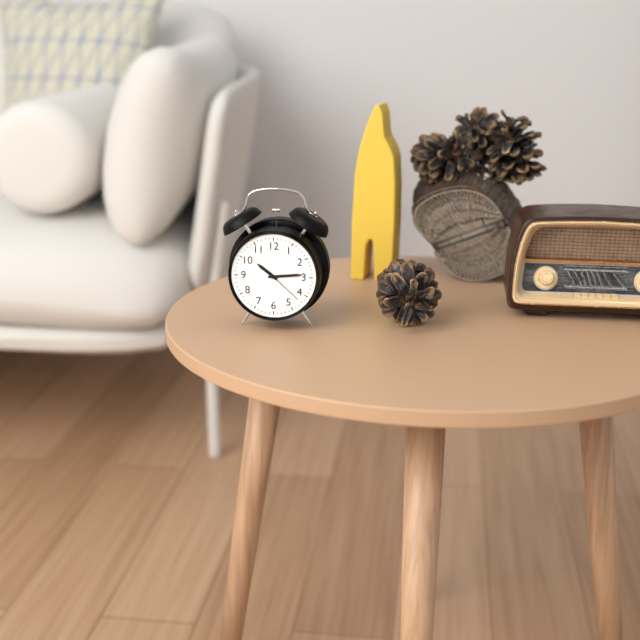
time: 10:14
